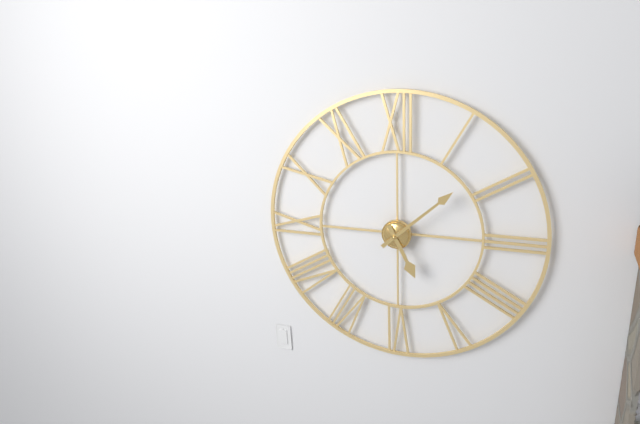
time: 5:08
